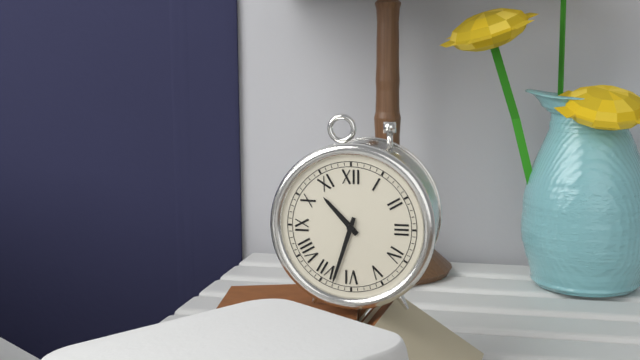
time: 10:33
